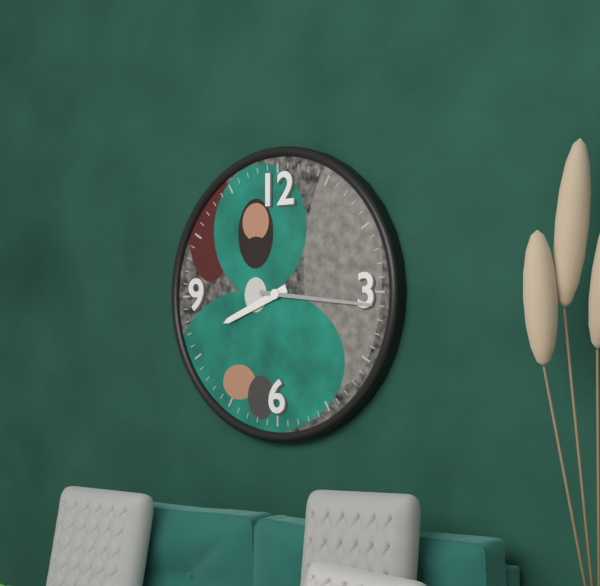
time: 8:16
